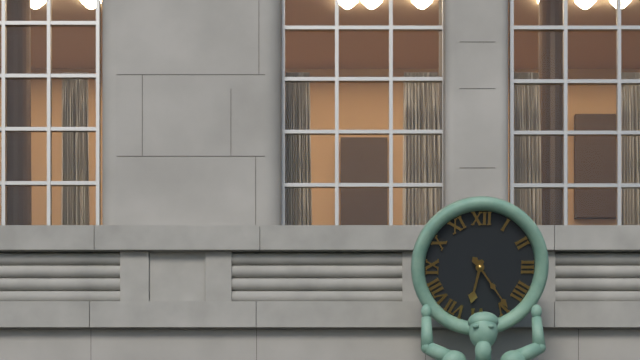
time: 6:24
